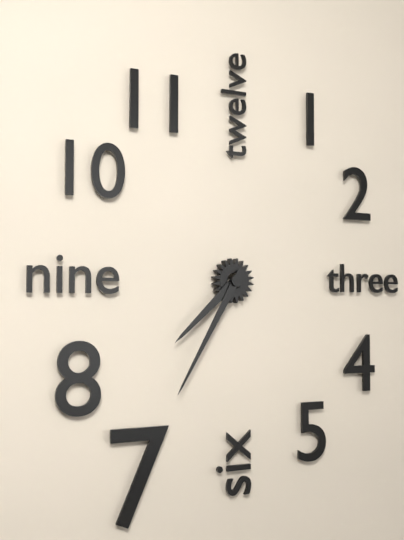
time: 7:35
